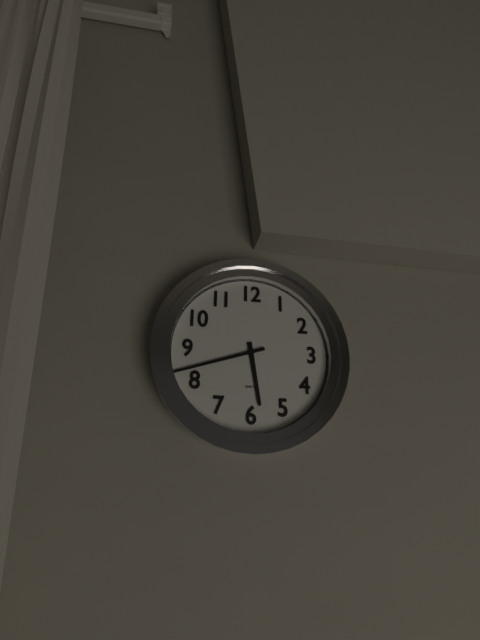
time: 5:42
